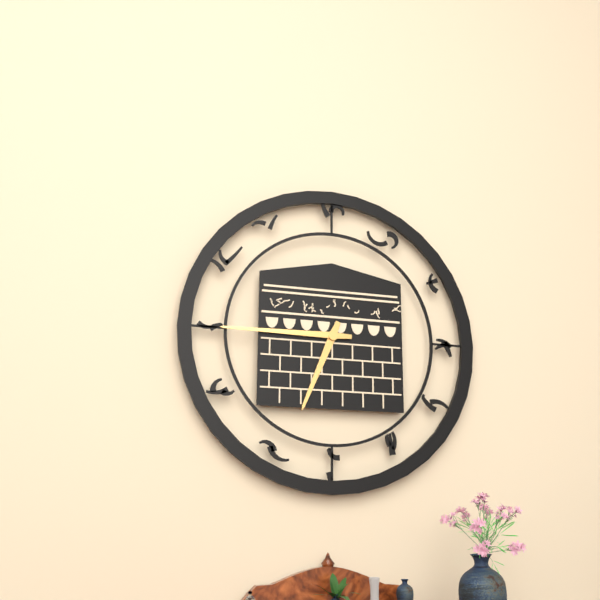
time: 6:45
